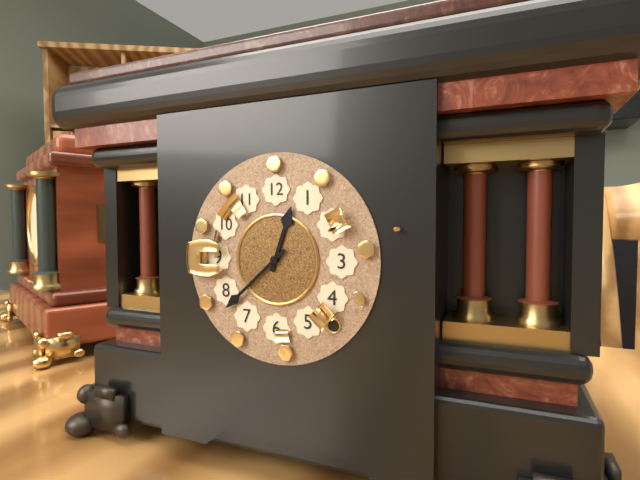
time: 12:38
